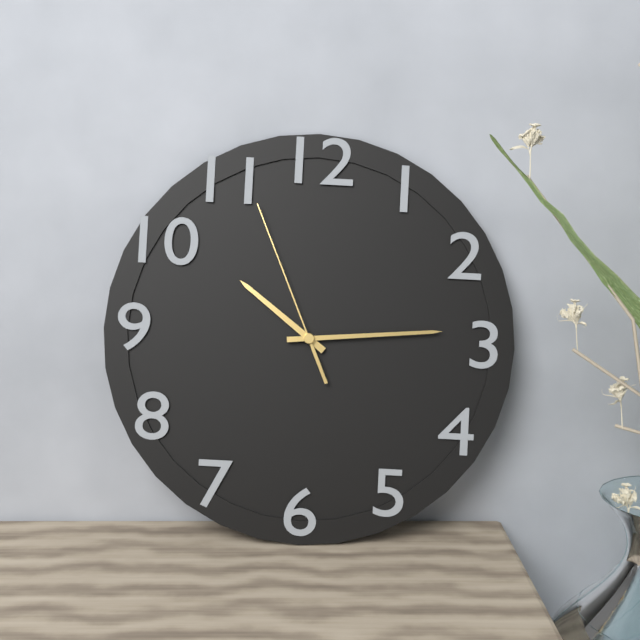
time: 10:14:56
